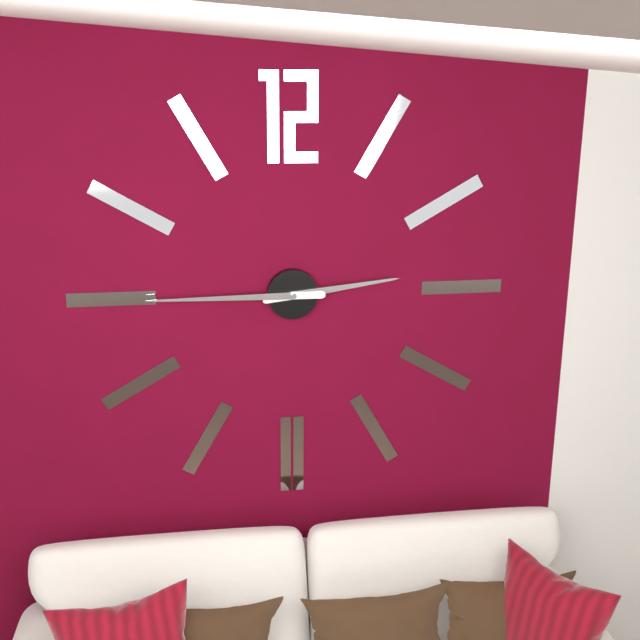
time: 2:45
